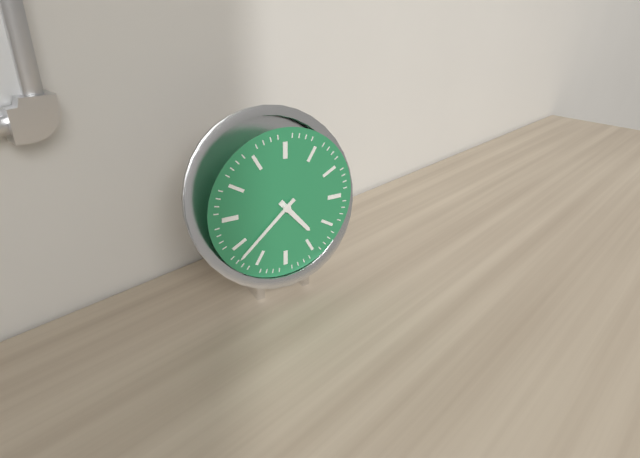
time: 4:38
